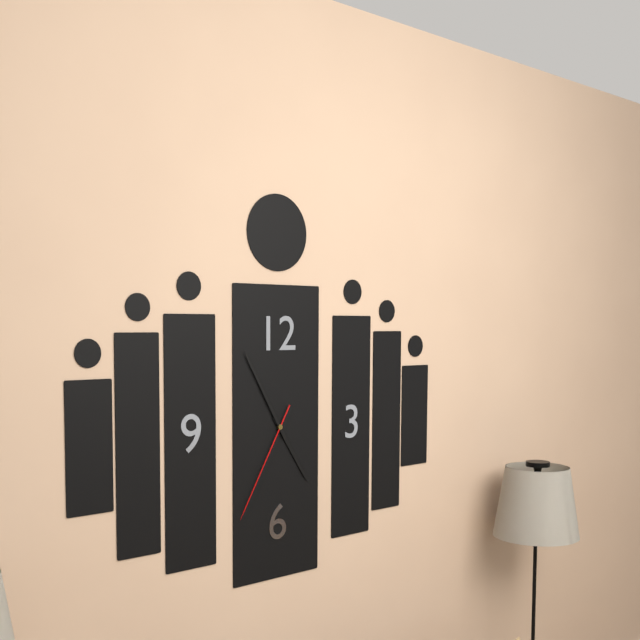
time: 4:55:35
